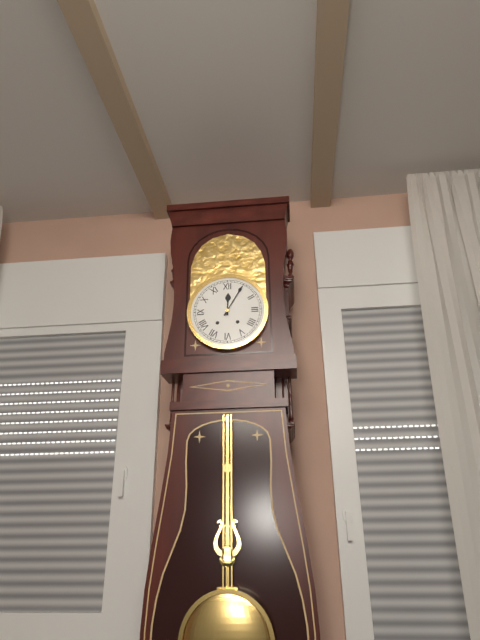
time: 12:05
